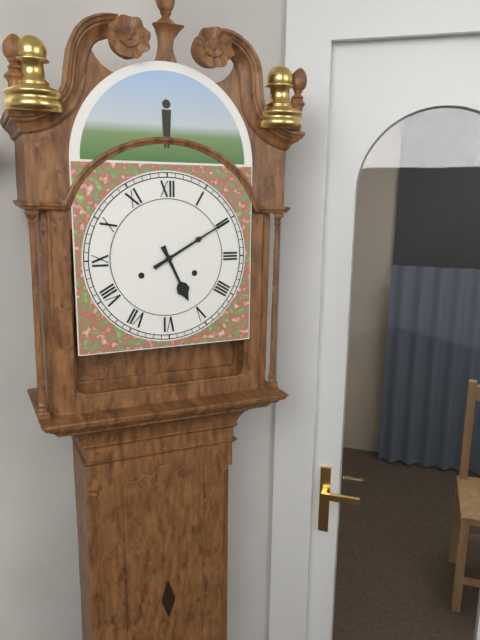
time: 5:10
